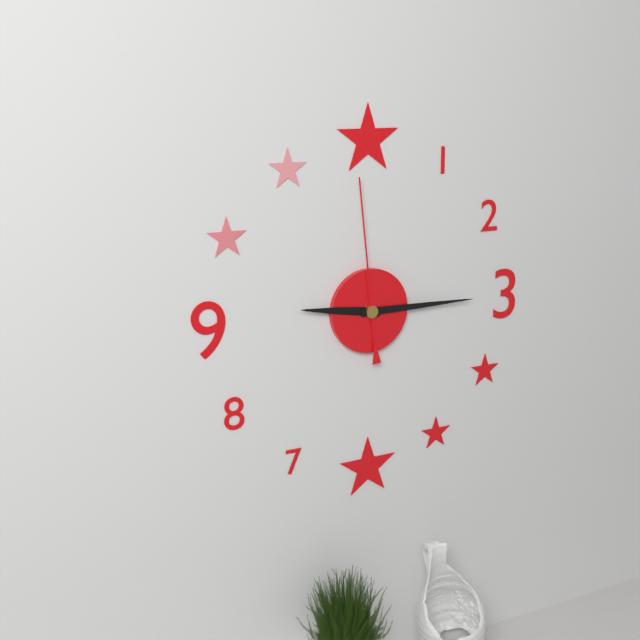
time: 9:15:59
